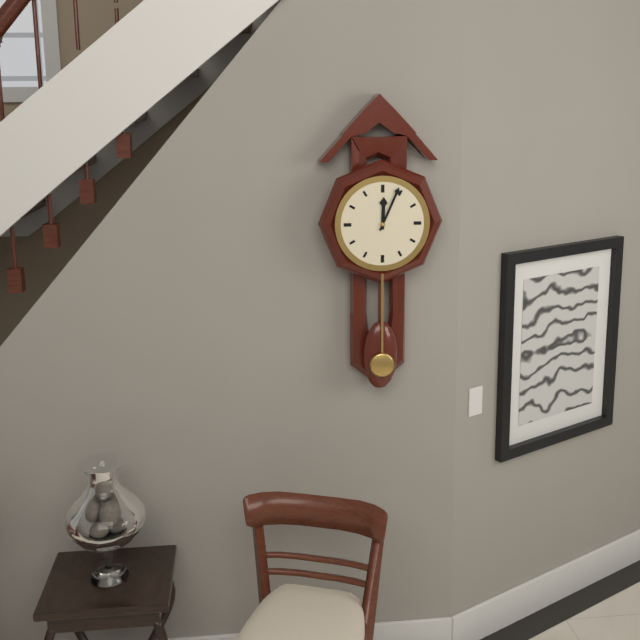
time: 12:04
